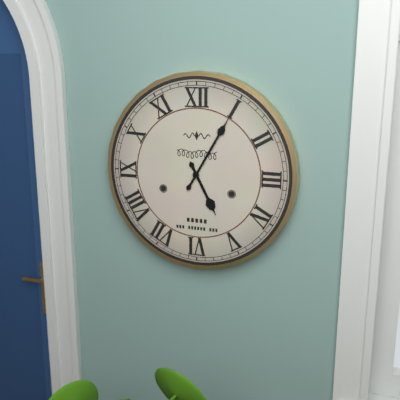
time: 5:05
